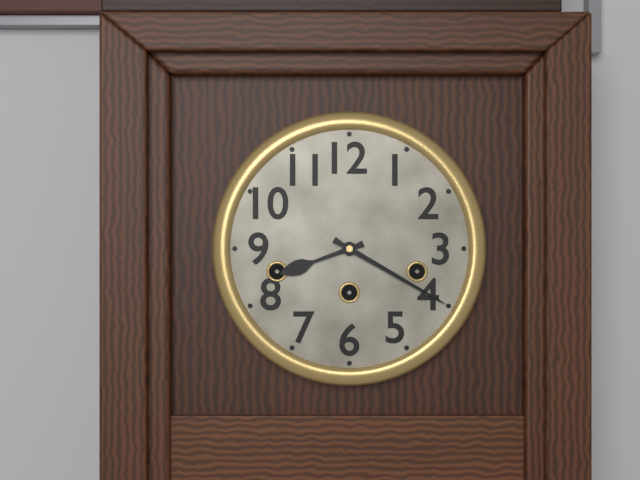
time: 8:20
